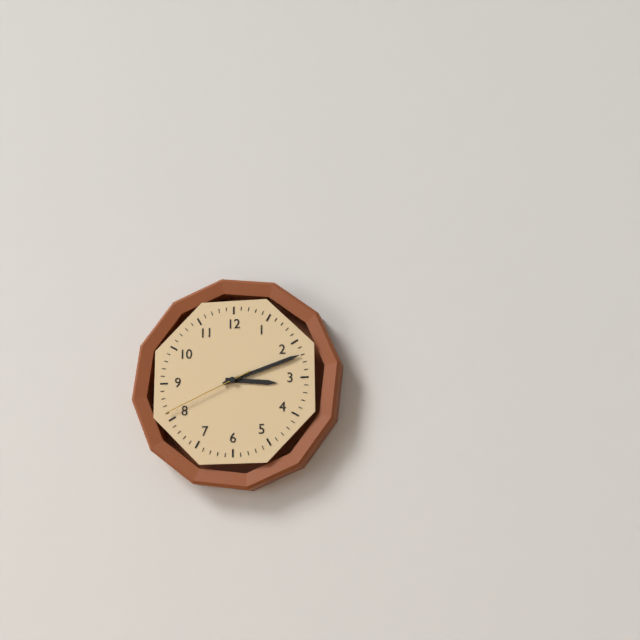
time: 3:12:41
